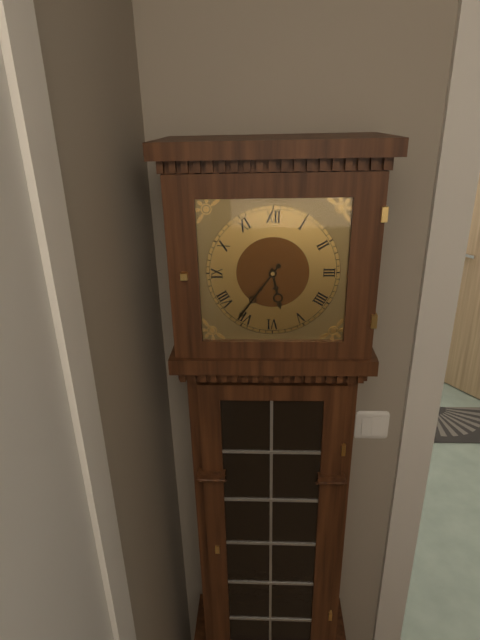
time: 5:36
